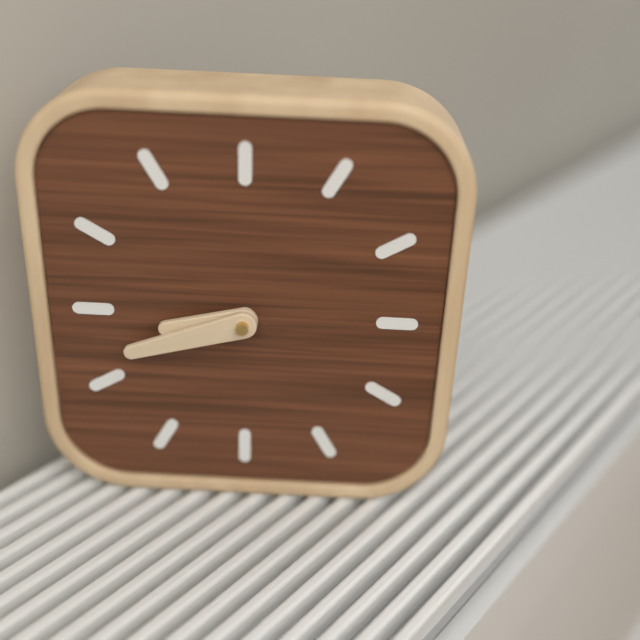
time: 8:42
